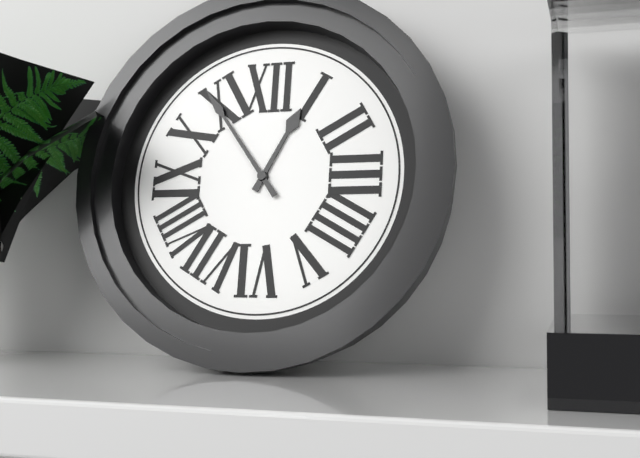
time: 12:54
